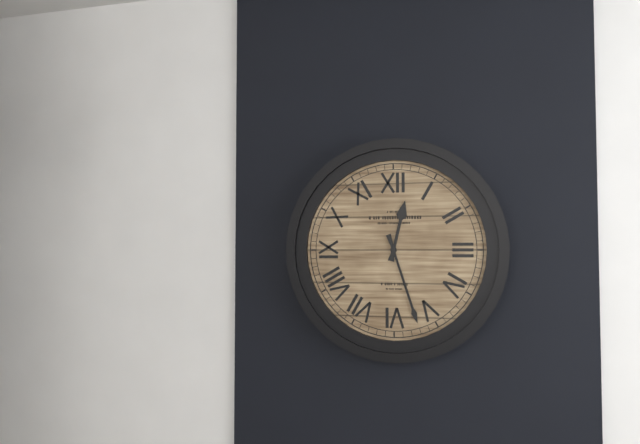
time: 12:27
